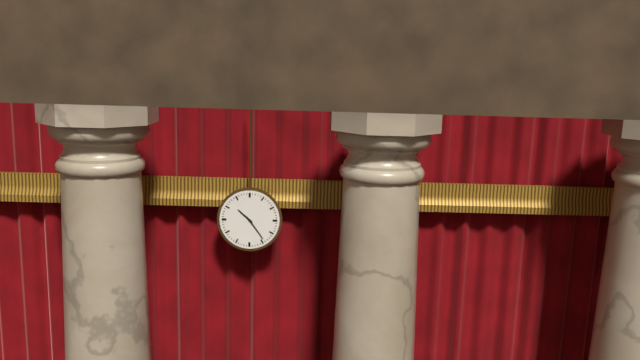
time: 10:24
